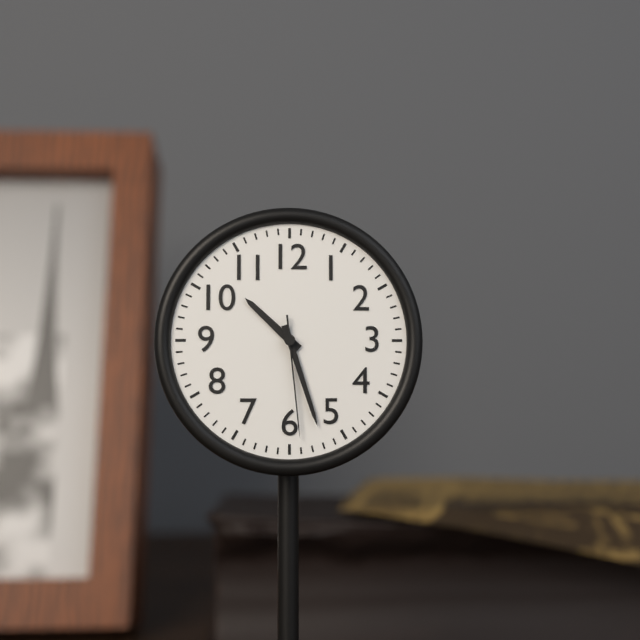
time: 10:27:29
